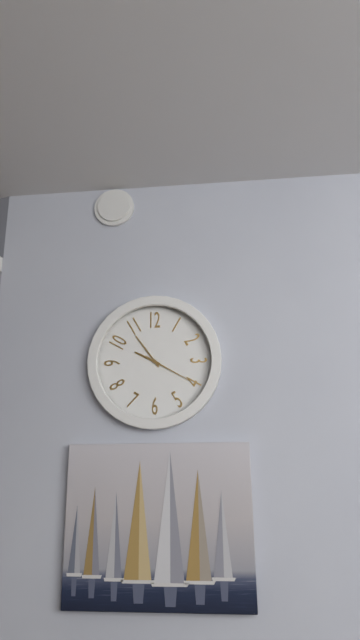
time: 9:54
